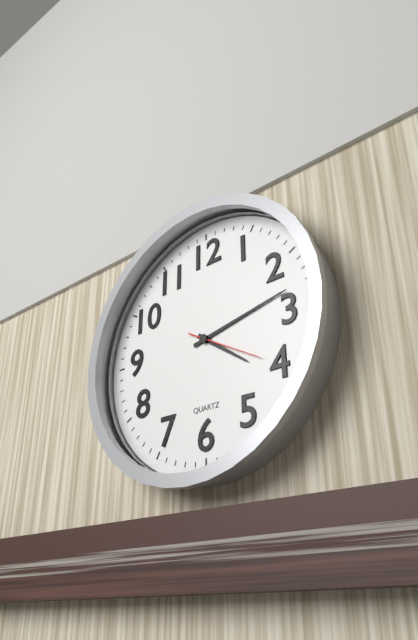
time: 4:13:20
